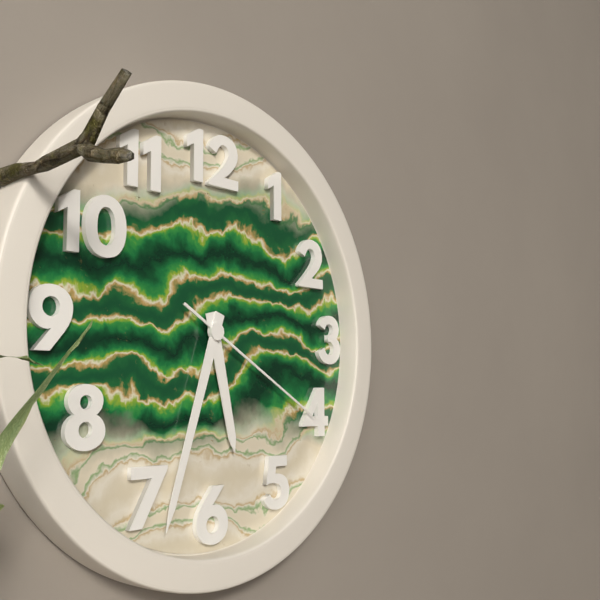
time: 5:33:20
